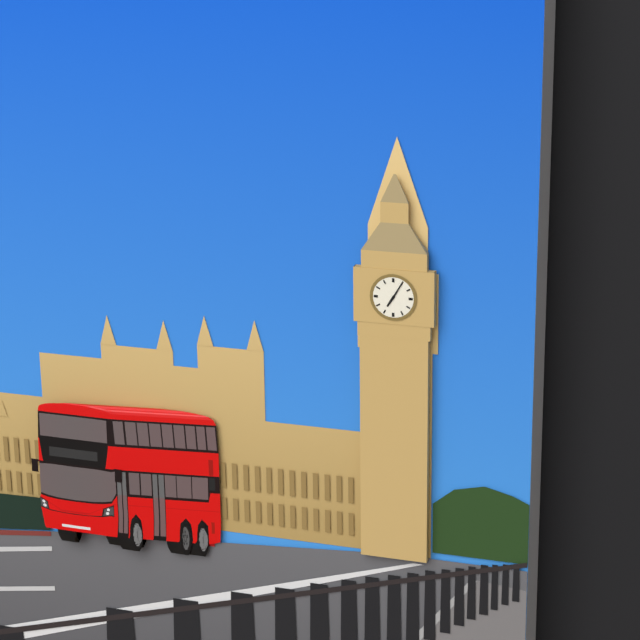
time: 7:05
